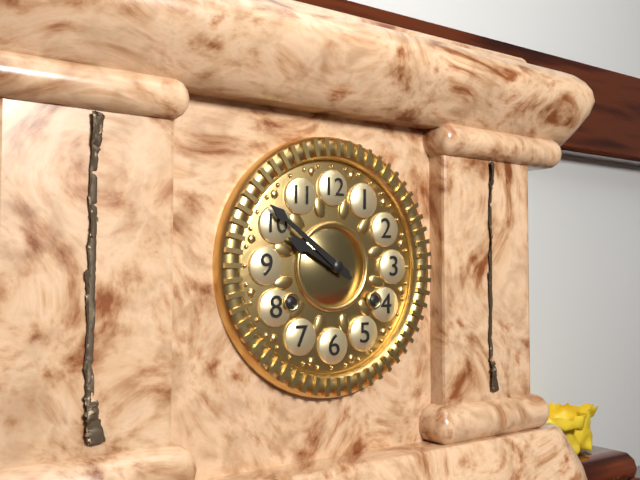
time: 9:51
